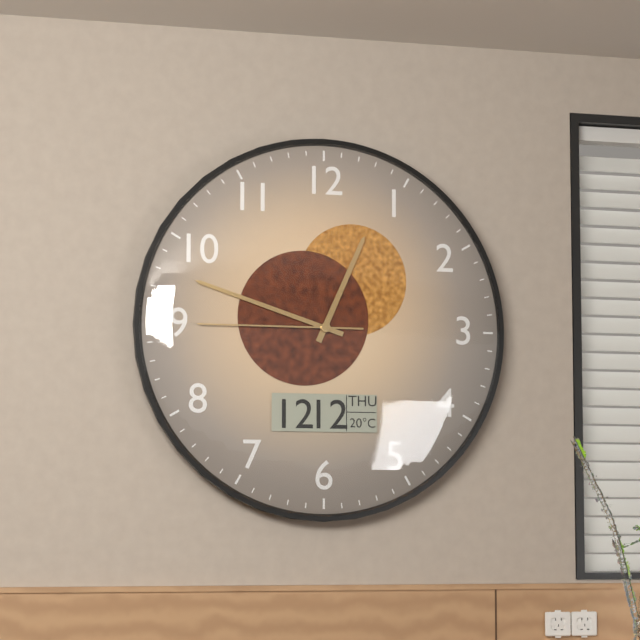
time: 12:48:45
